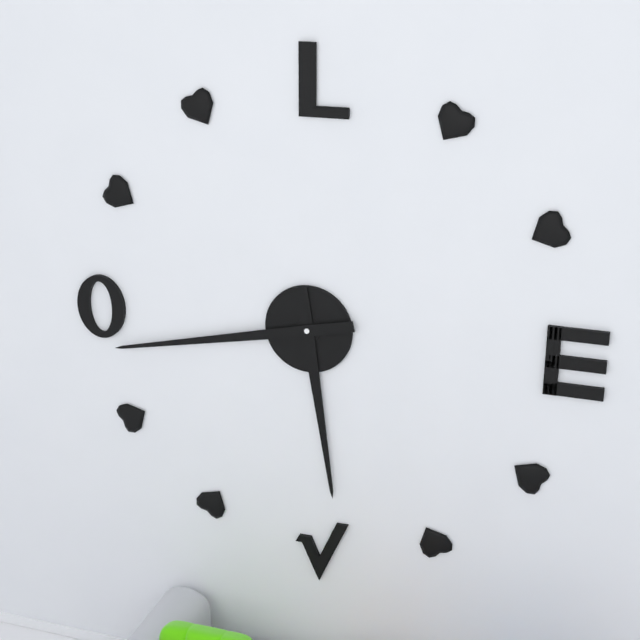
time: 5:43
